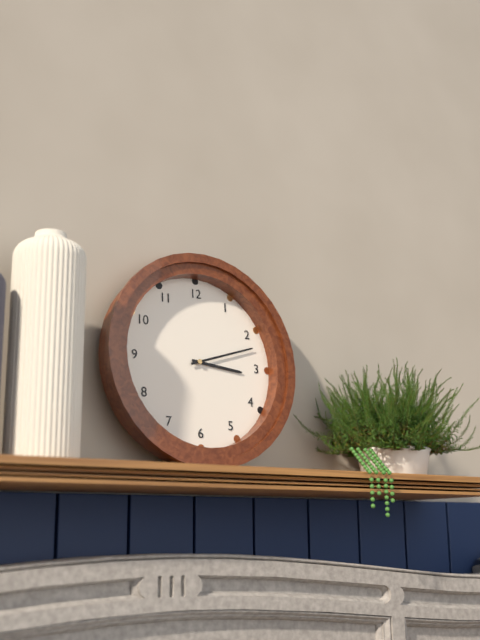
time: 3:12
